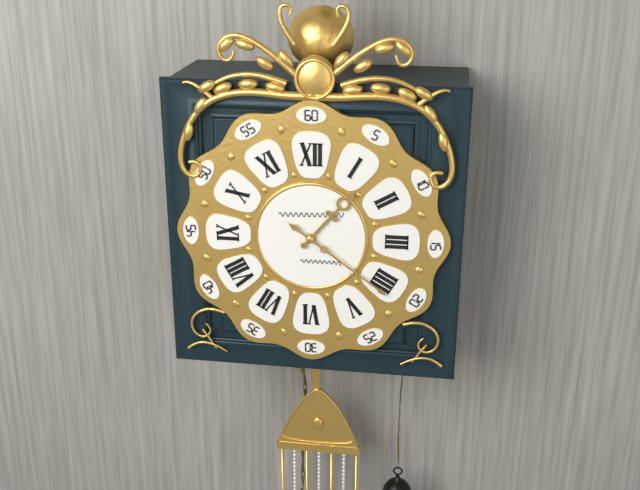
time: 1:21
